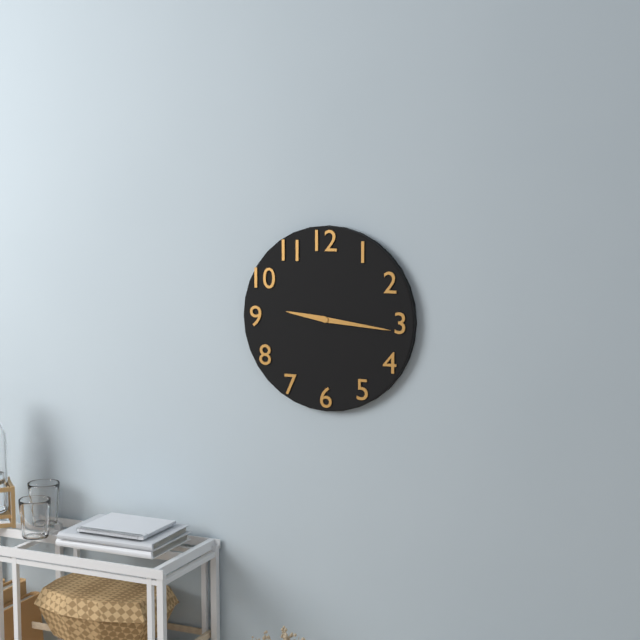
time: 9:16
